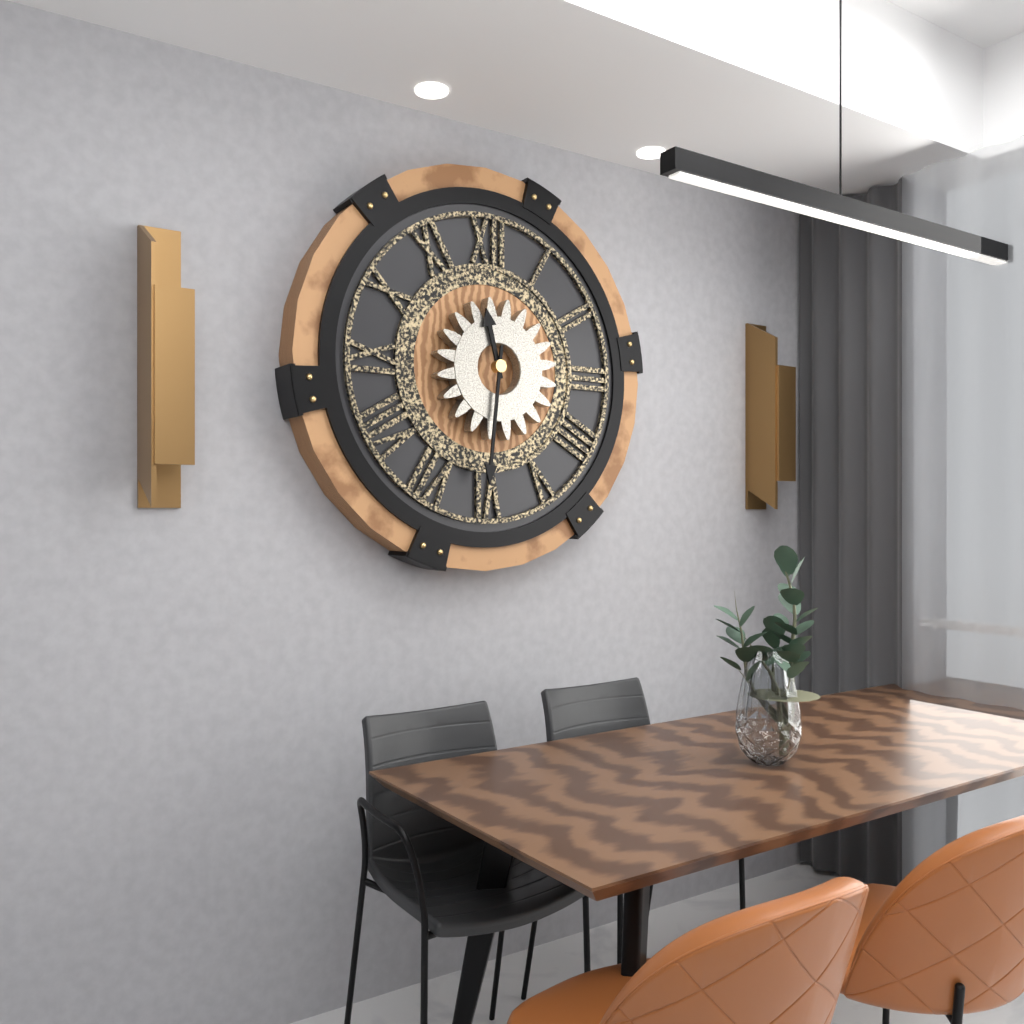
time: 11:31
